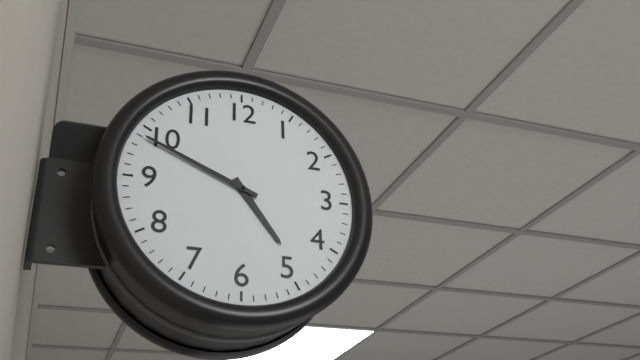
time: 4:49
